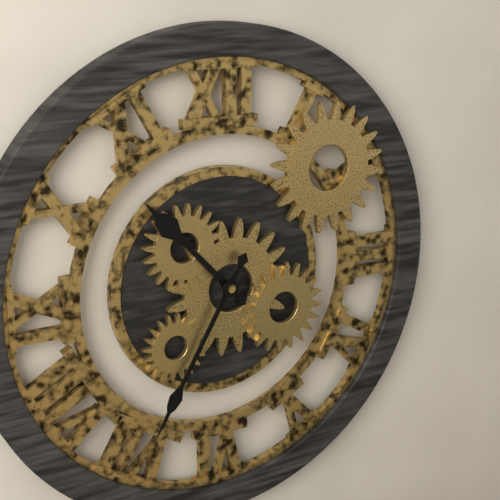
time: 10:35
